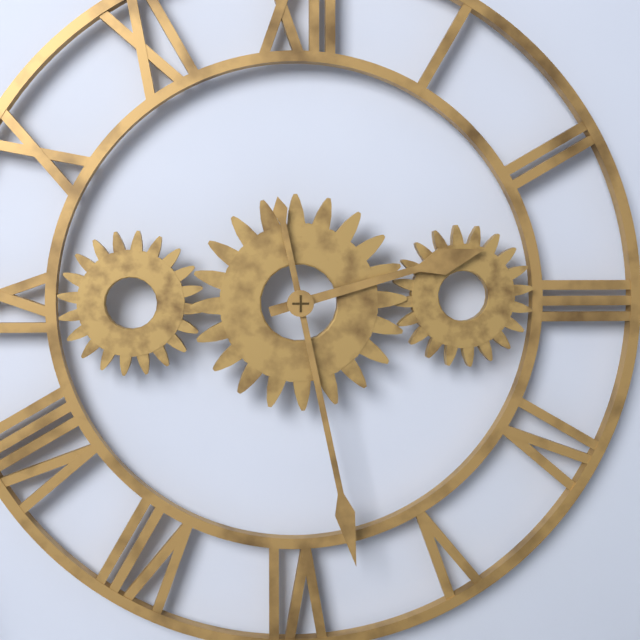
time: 2:28
